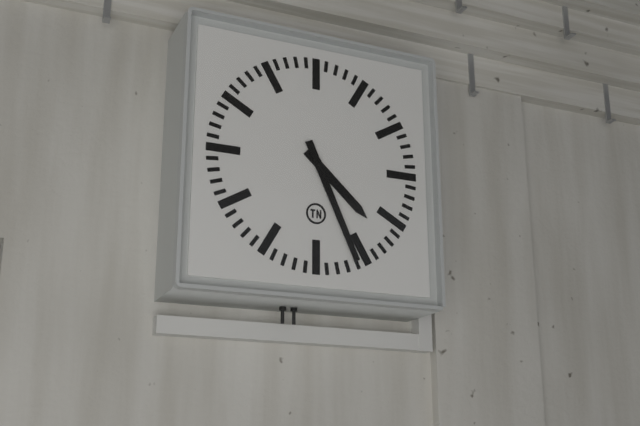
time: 4:26
